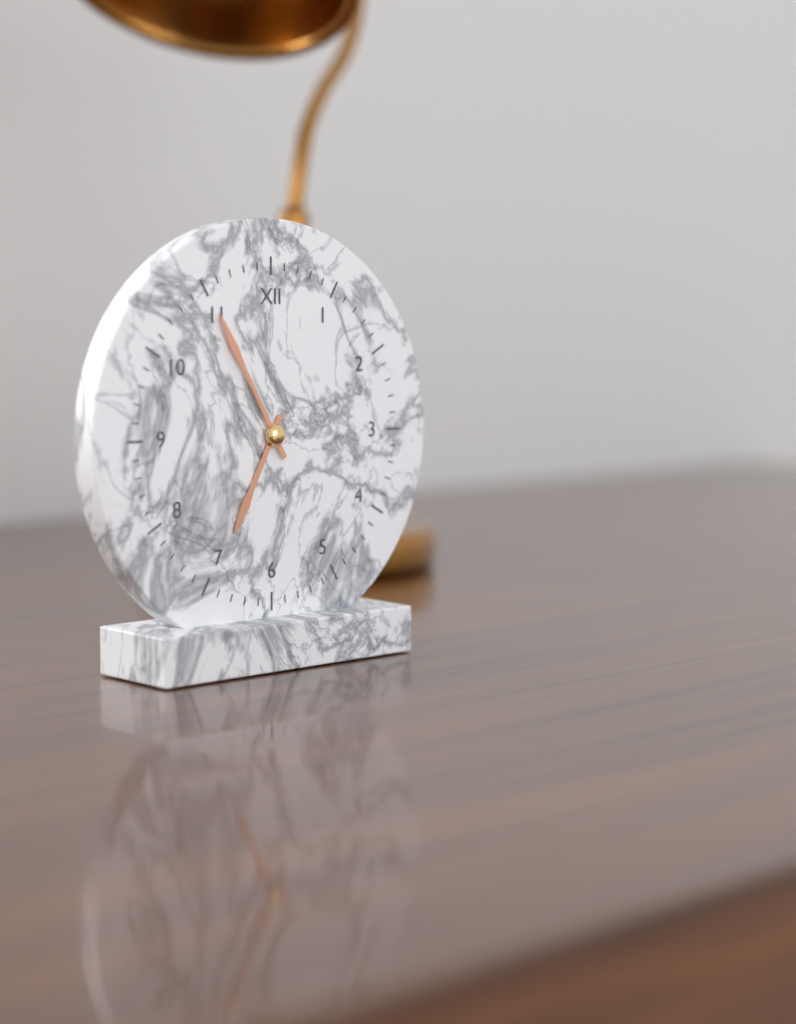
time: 6:55
